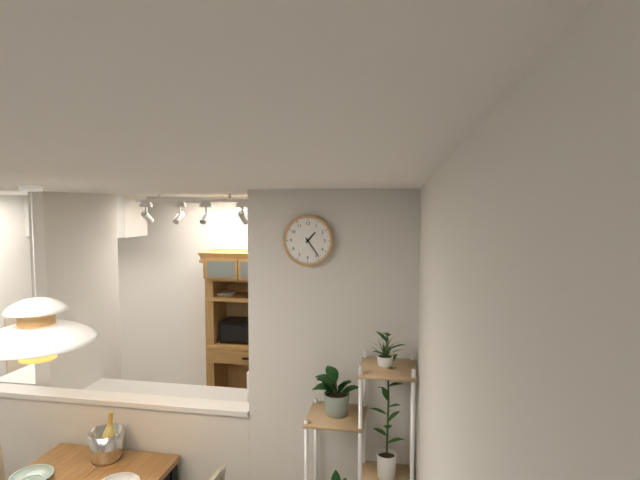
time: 1:24
